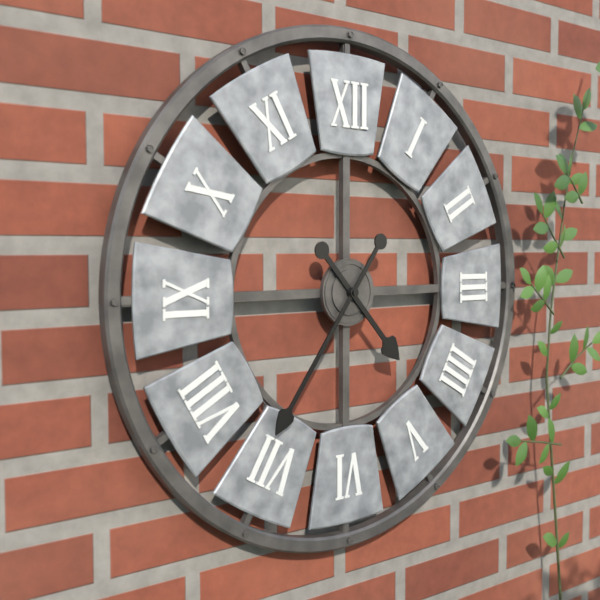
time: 4:36
